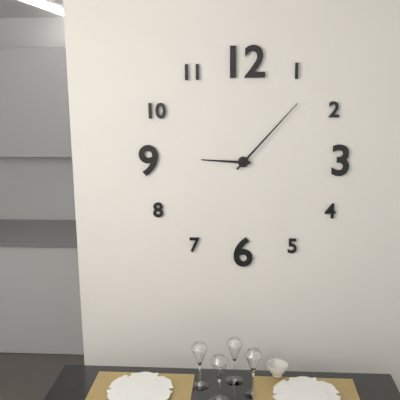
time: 9:07
